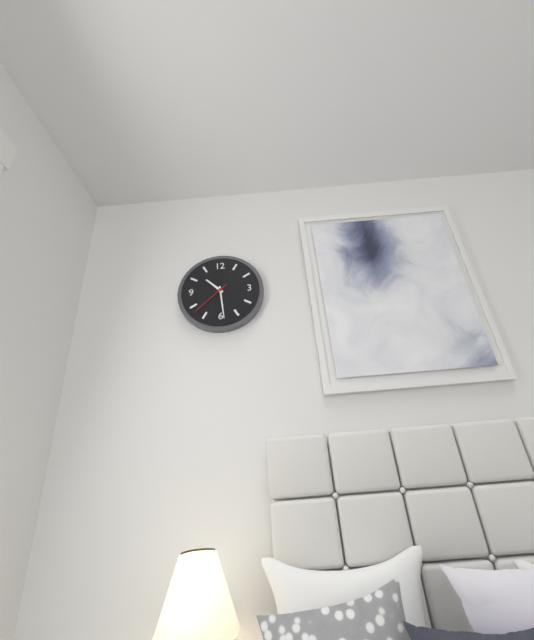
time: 10:29
